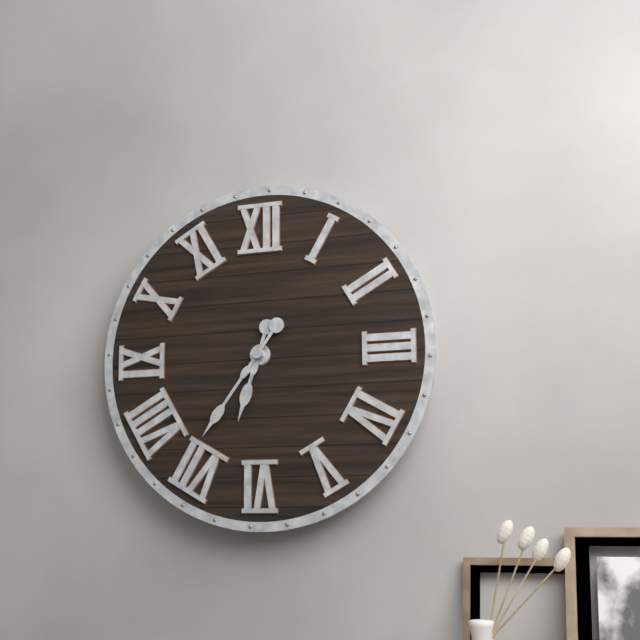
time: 6:36
